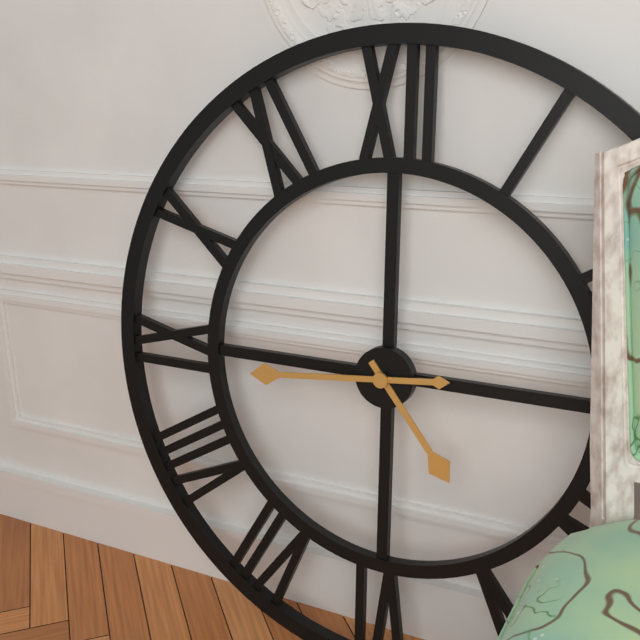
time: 4:44
